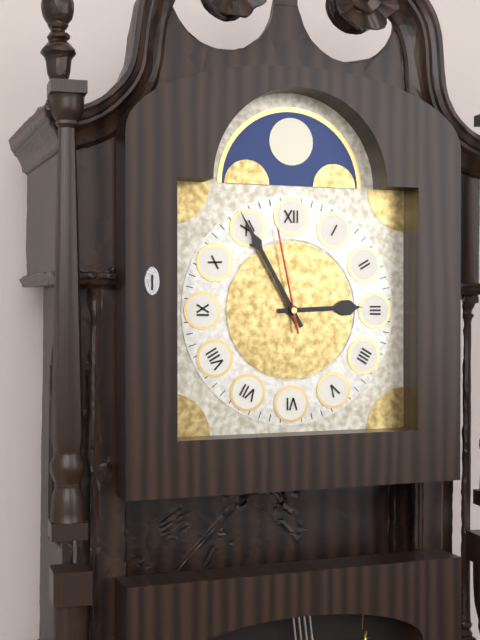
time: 2:55:58
